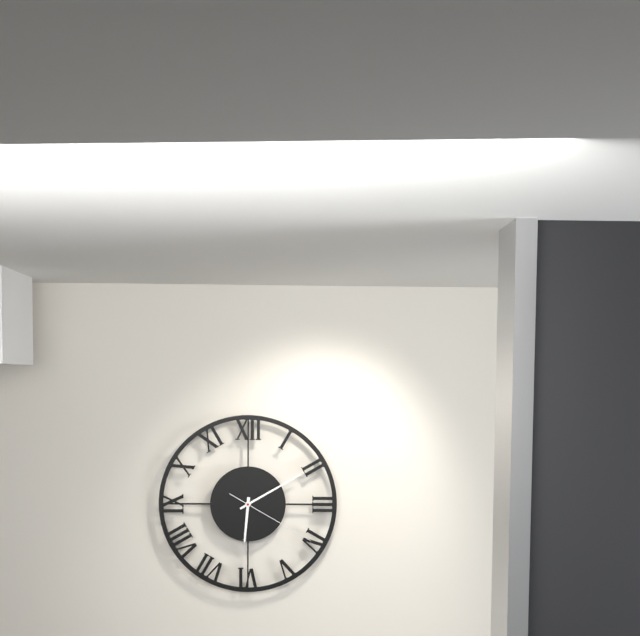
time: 6:10:20
